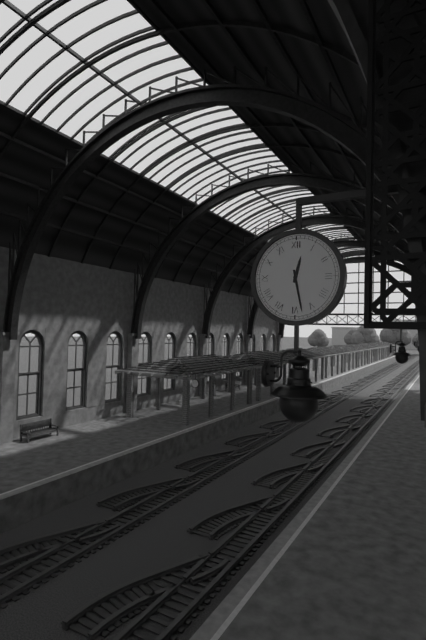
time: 12:28
